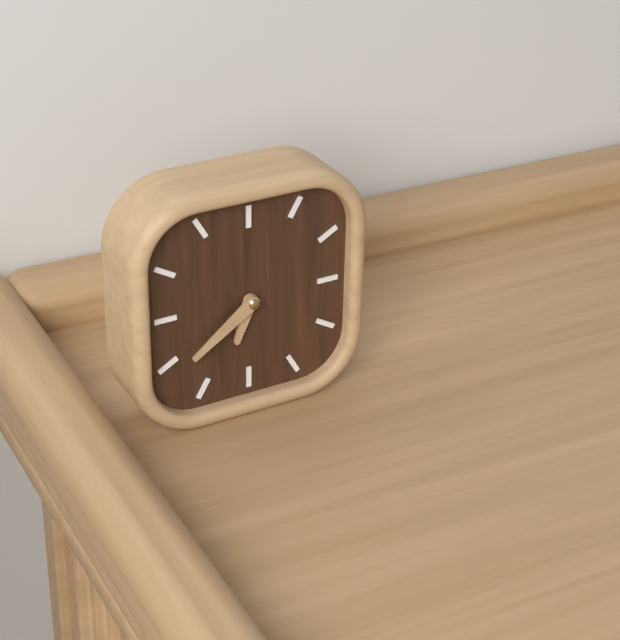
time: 6:39
